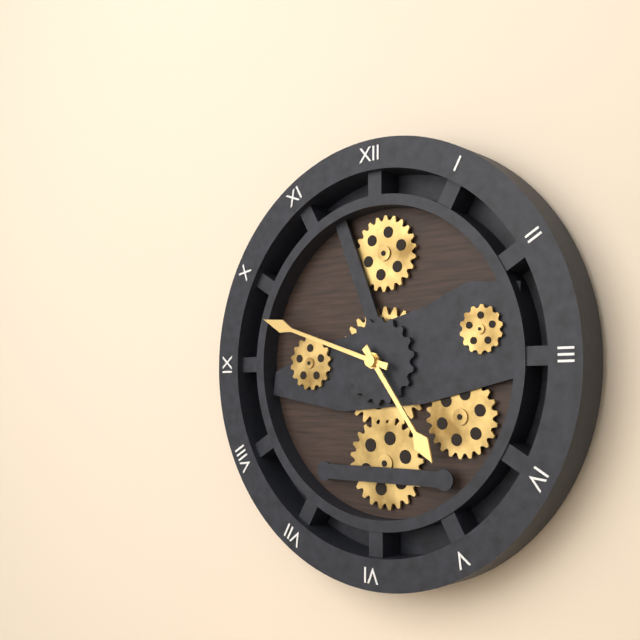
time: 4:48
